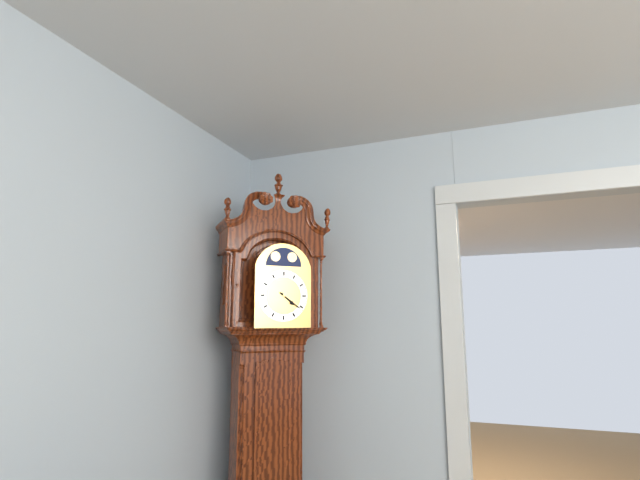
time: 4:21
